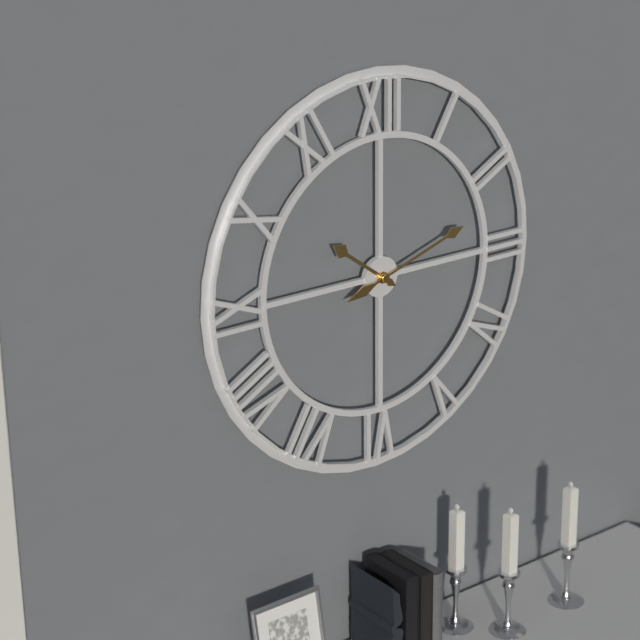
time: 10:12
